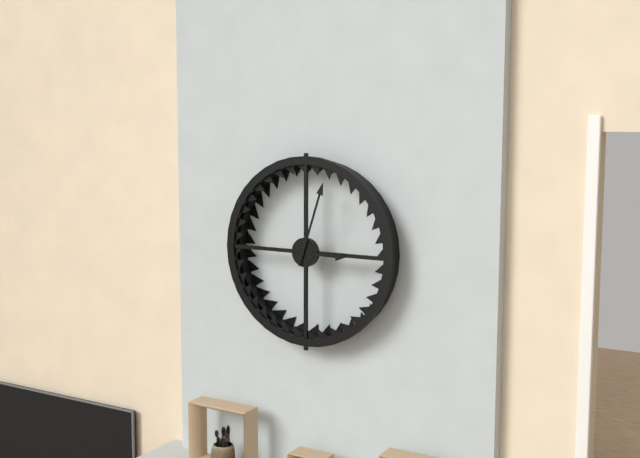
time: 3:03
